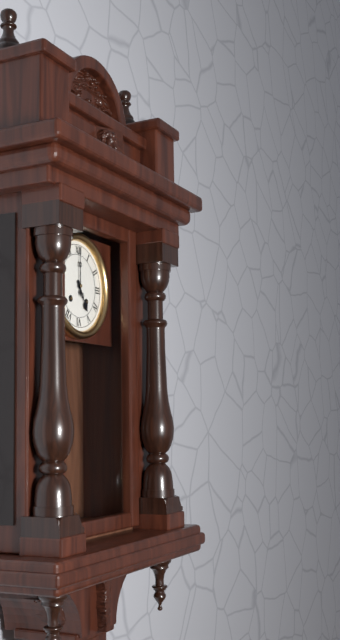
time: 5:00
